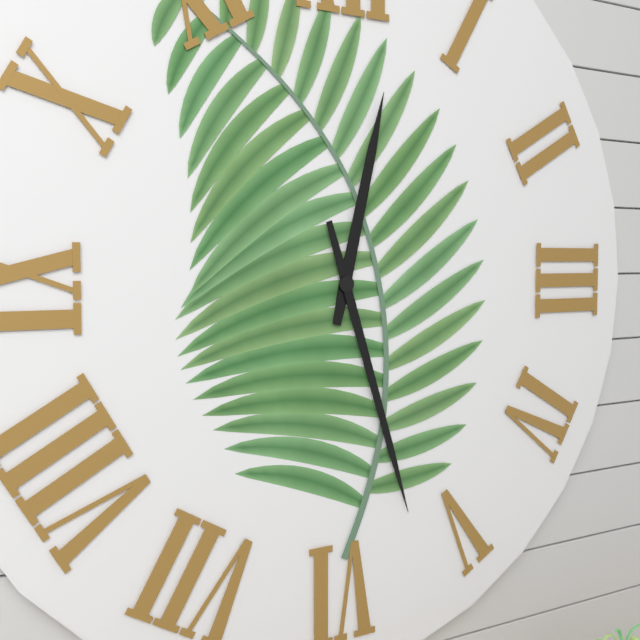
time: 12:27
